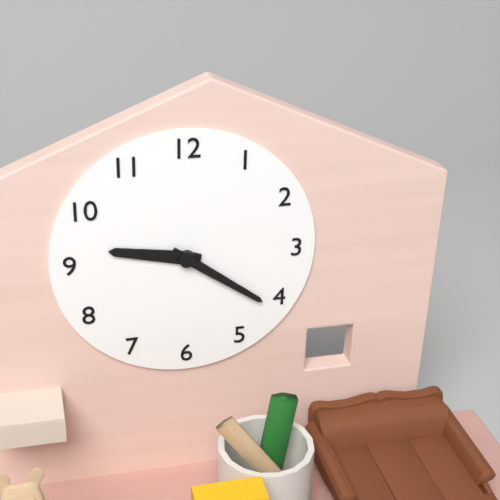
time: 9:21
